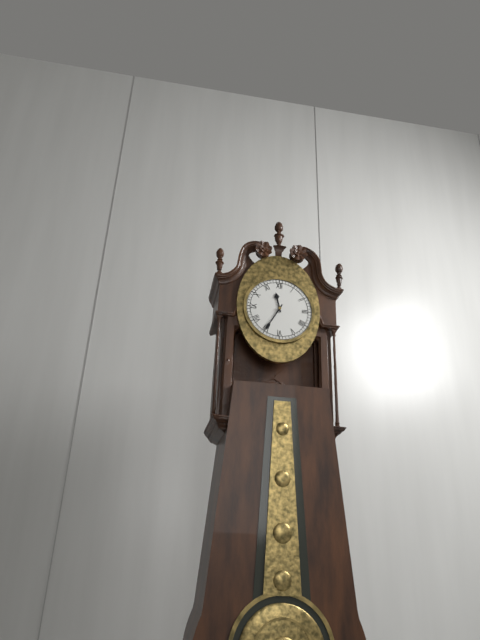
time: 11:35
